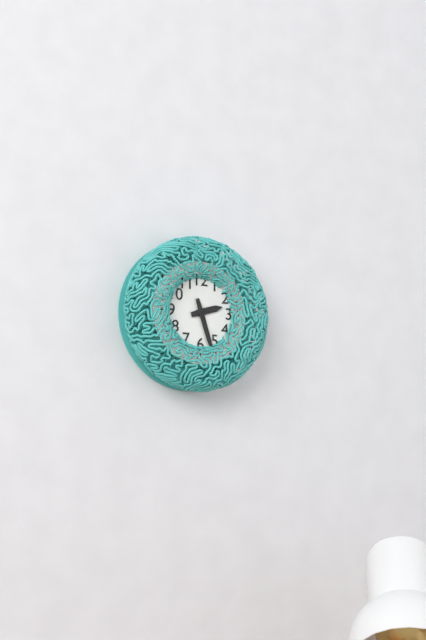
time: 2:27
